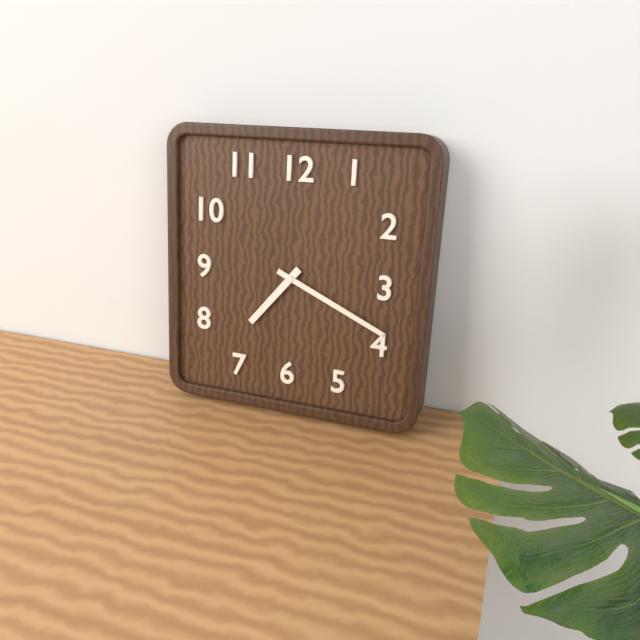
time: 7:19
